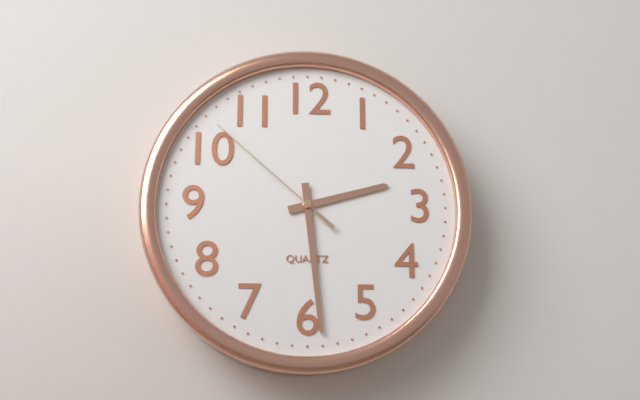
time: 2:29:52
